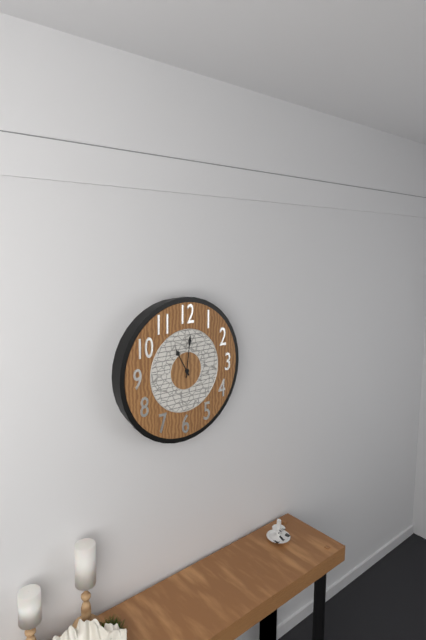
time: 11:01
